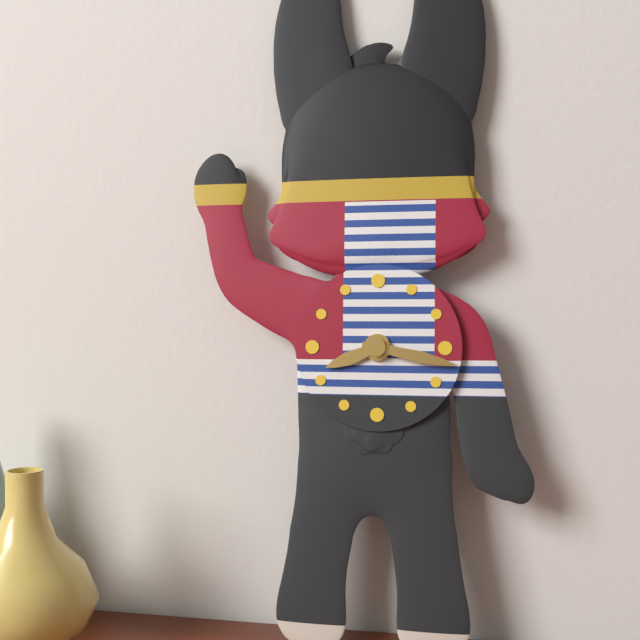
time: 8:17
